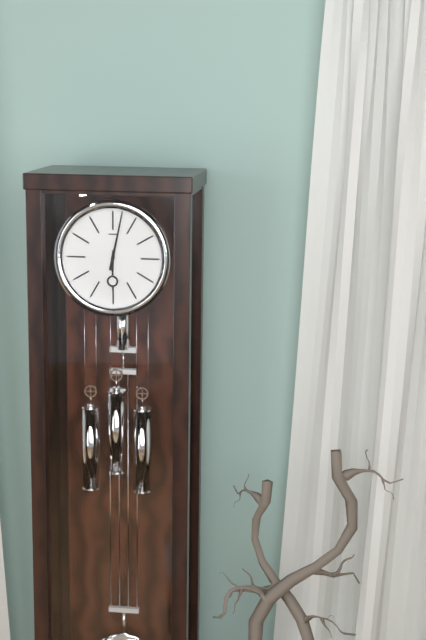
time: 6:02
